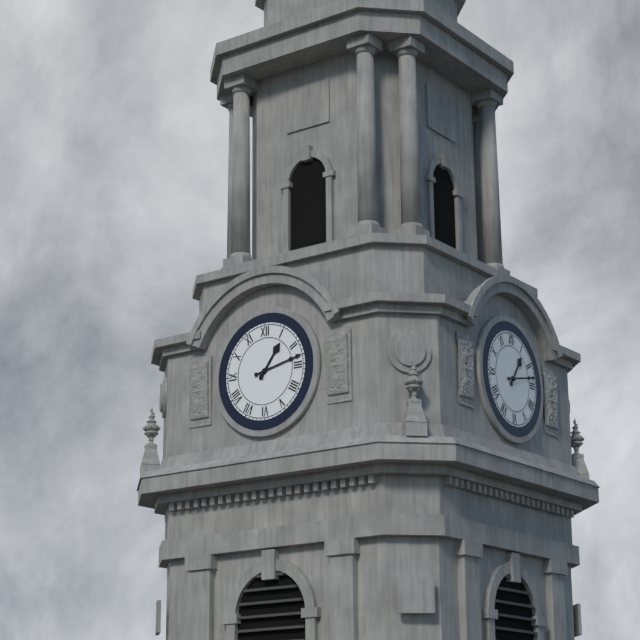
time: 1:13
